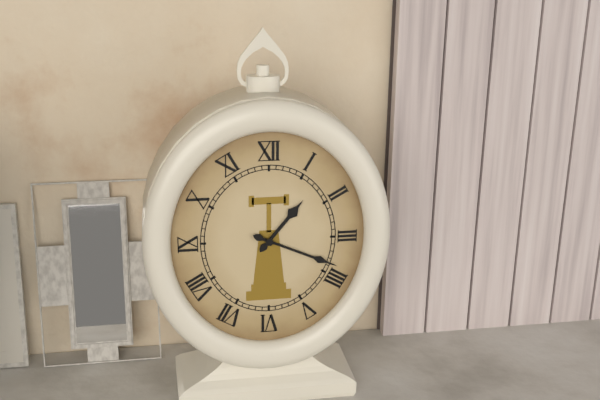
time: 1:19
